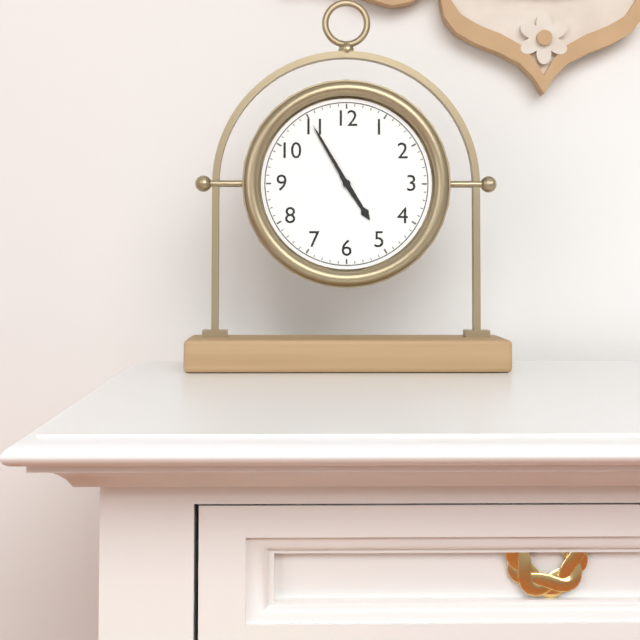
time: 4:55
